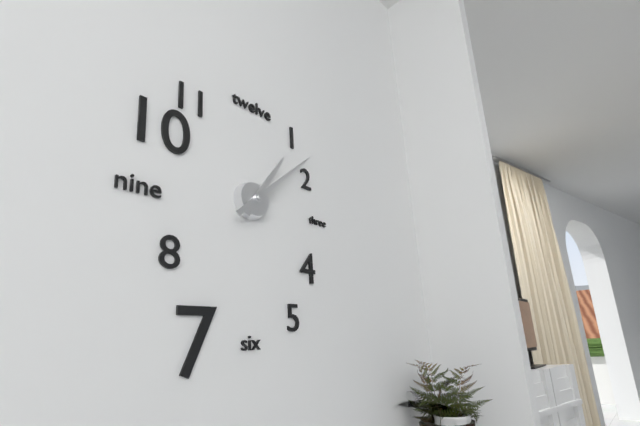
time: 1:08
